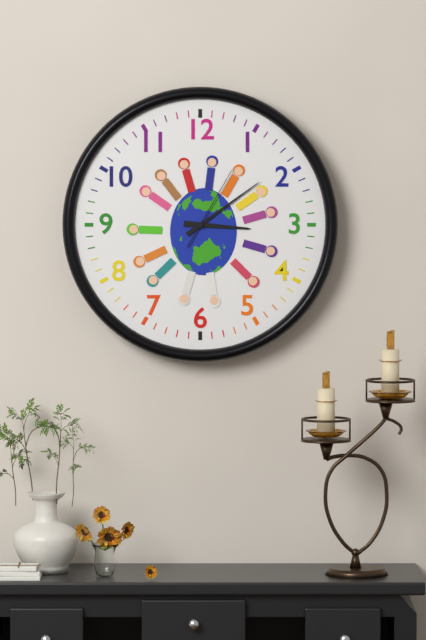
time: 3:09:05
